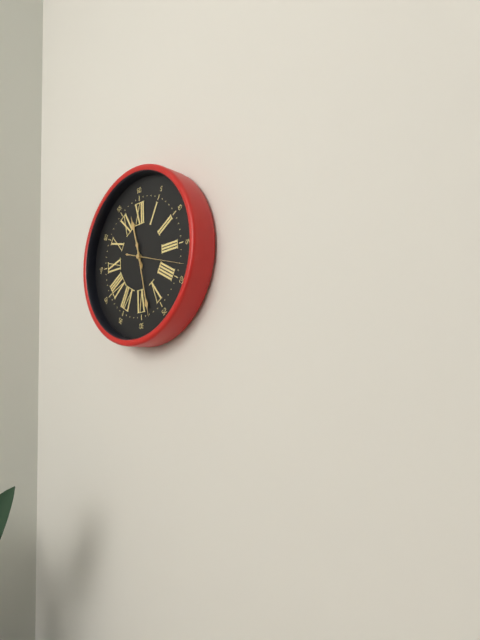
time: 11:28
